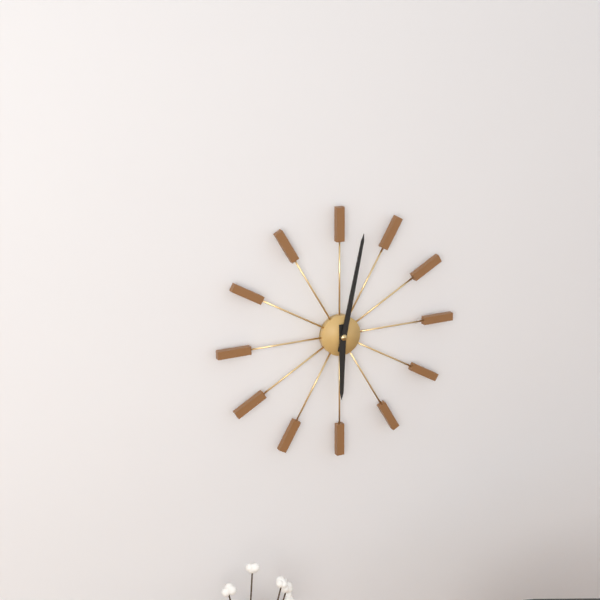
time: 6:02
